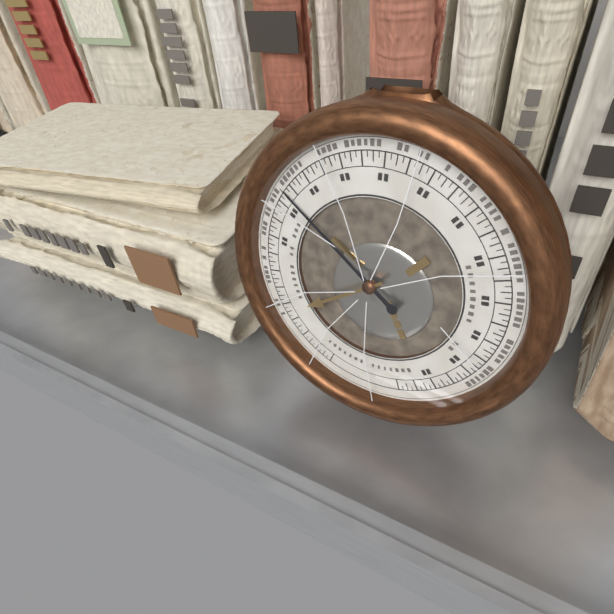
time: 7:51
